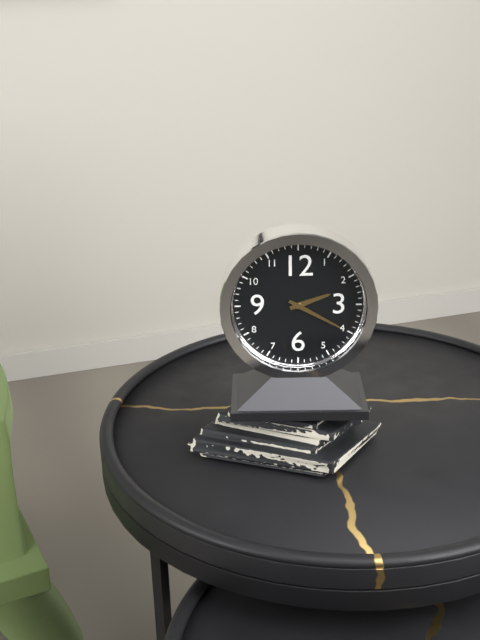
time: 2:20
